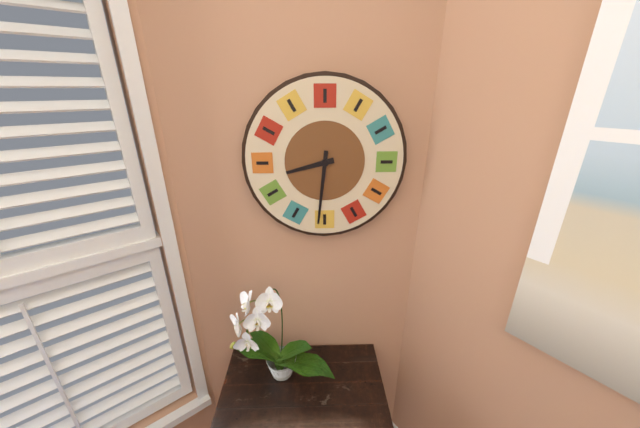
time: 8:31
